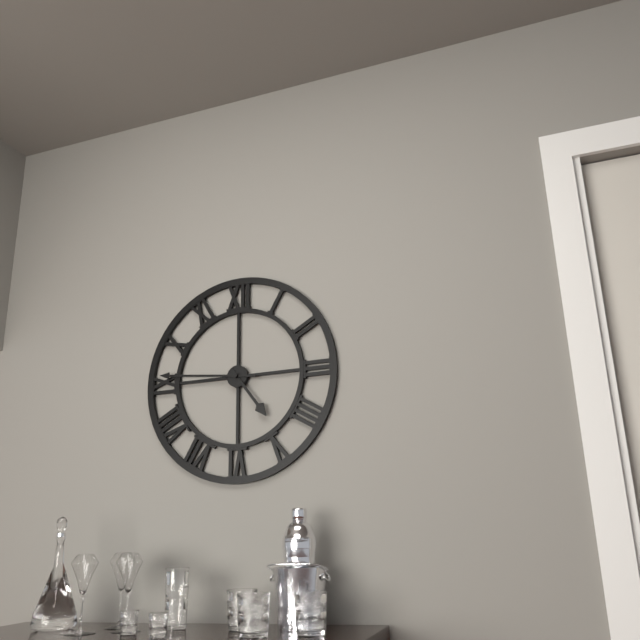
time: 4:46
